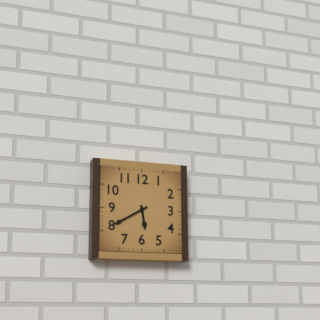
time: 5:40
